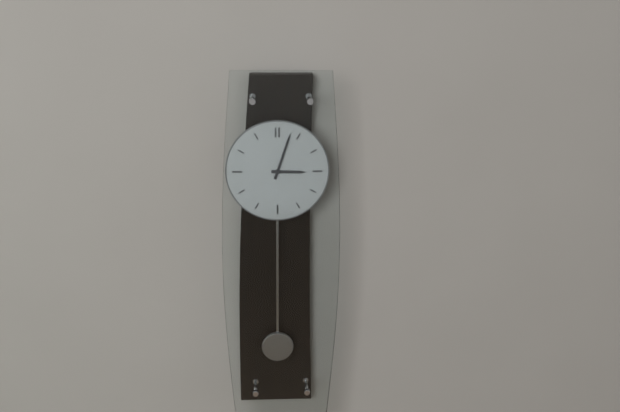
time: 3:03
